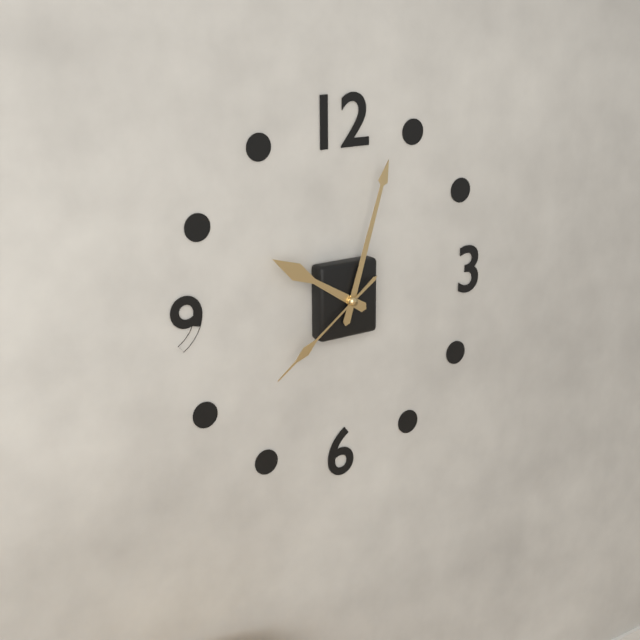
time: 10:03:39
